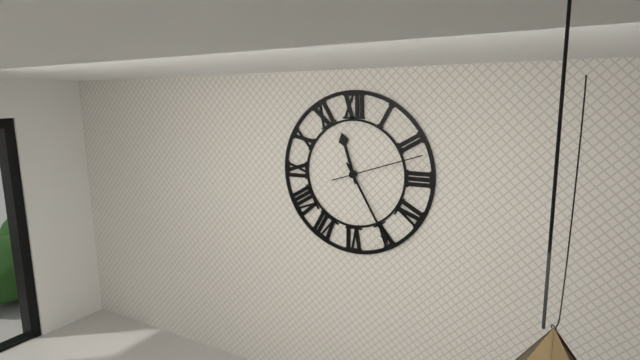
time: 11:25:12
